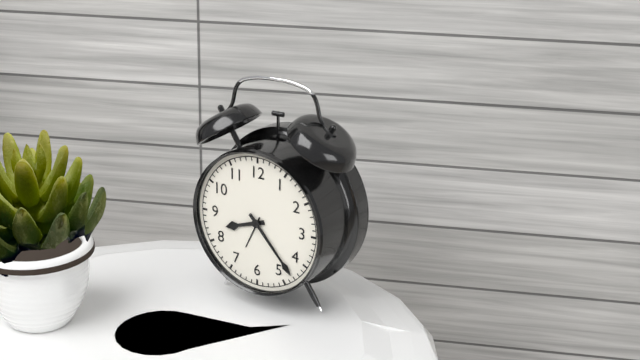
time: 8:23
